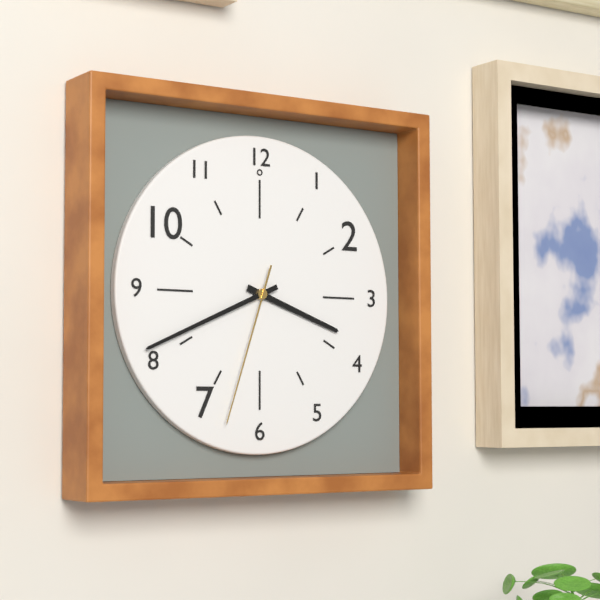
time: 3:41:33
